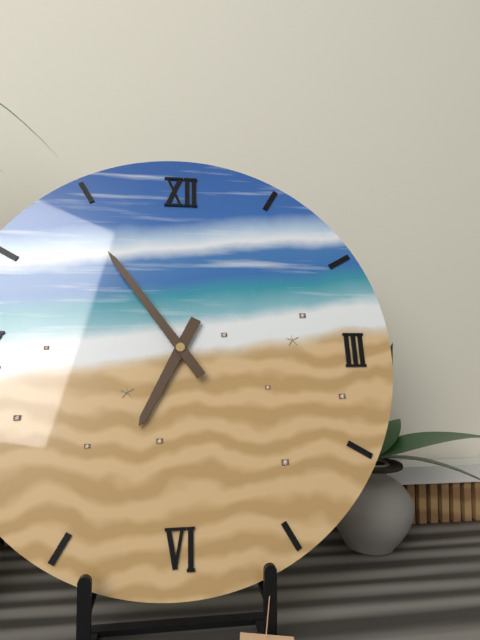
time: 6:54
